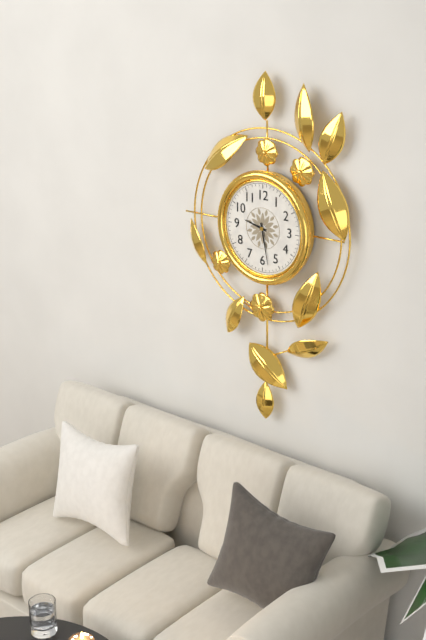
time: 9:28
